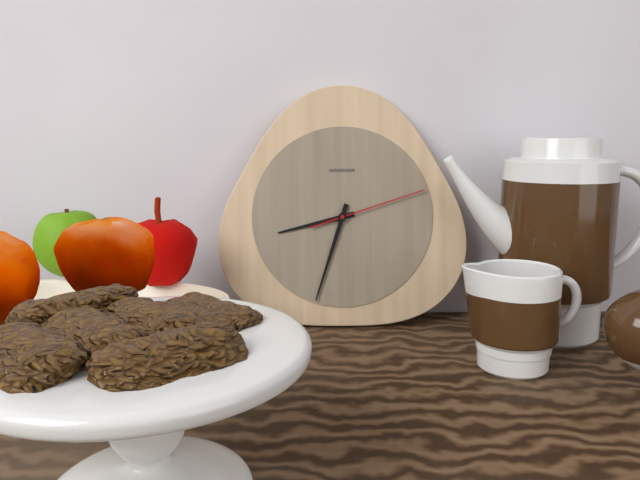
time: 8:33:12
